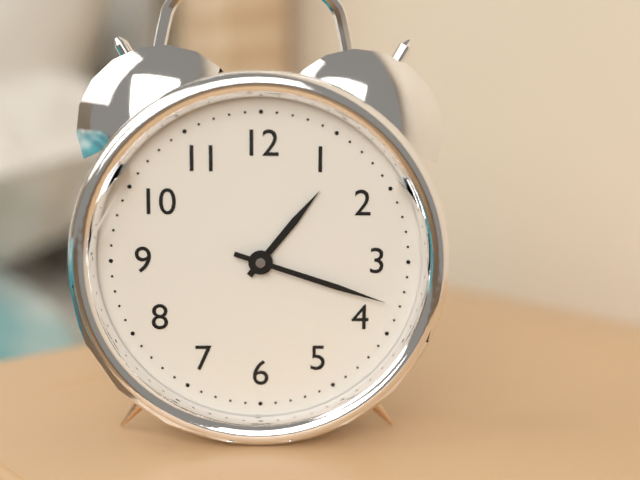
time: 1:18
